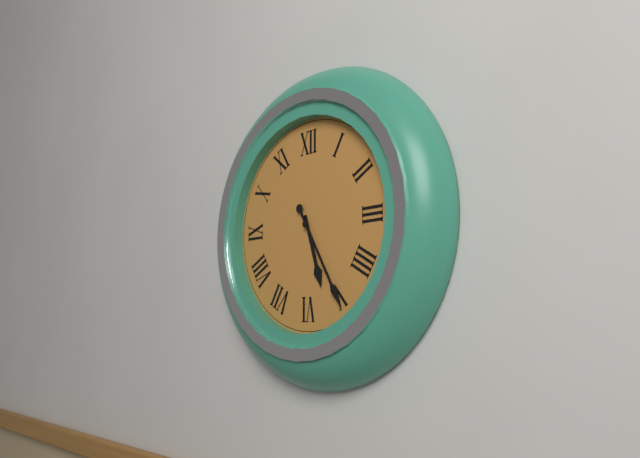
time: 5:25
